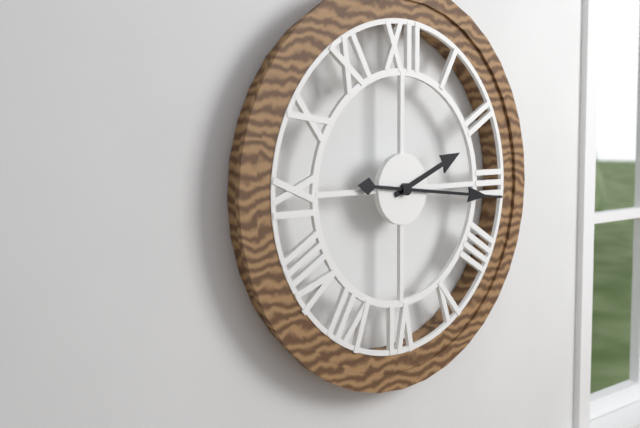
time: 2:16
